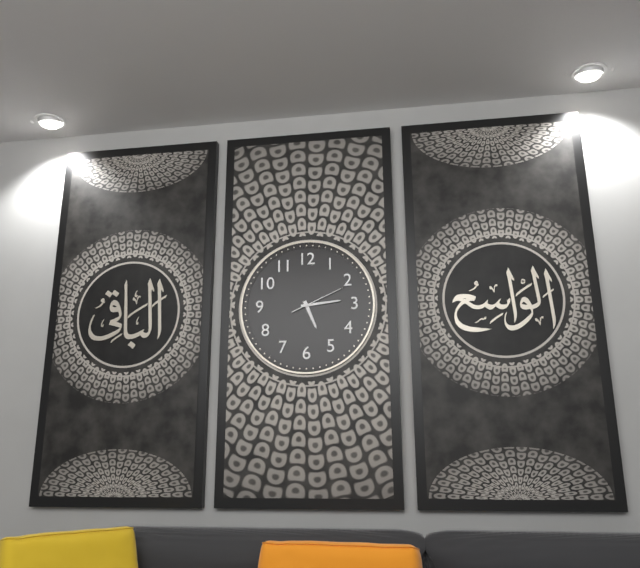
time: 5:14:11
